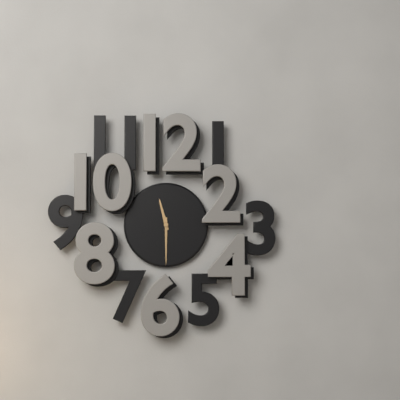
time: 11:30
